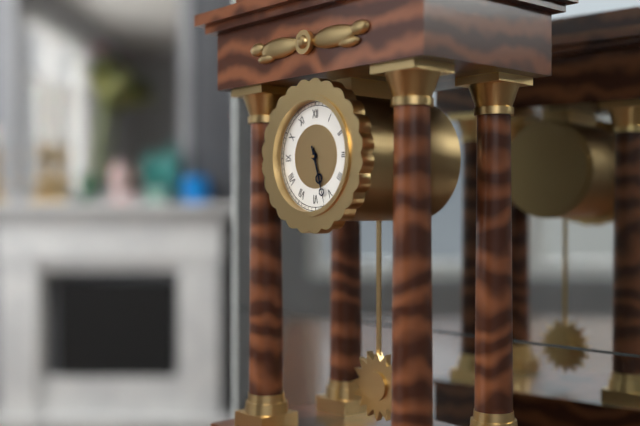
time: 5:27
